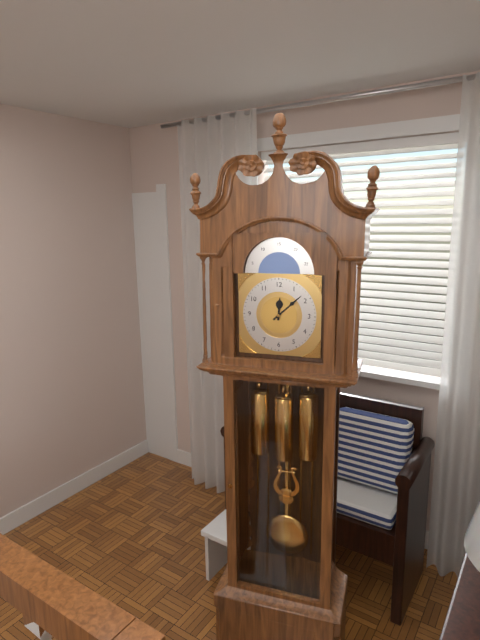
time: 12:08
